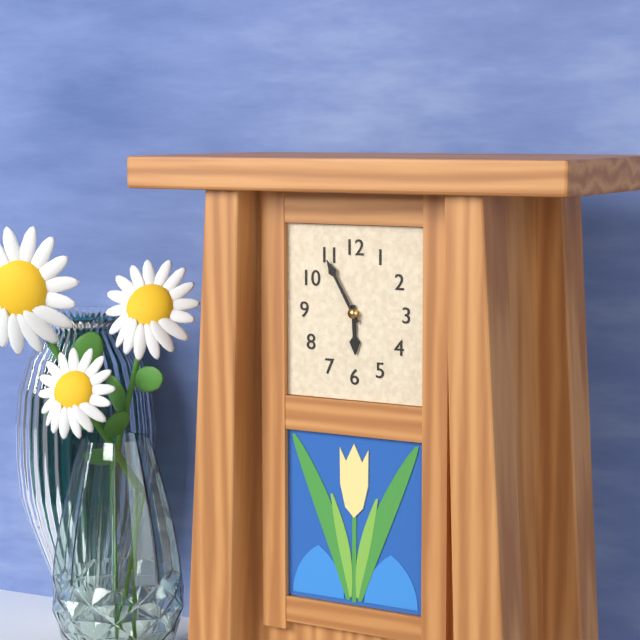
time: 5:55
